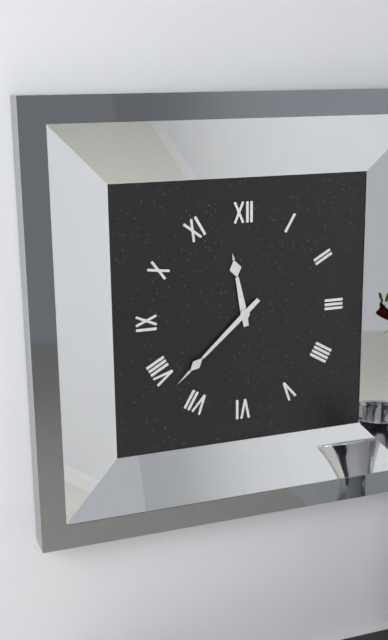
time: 11:38
